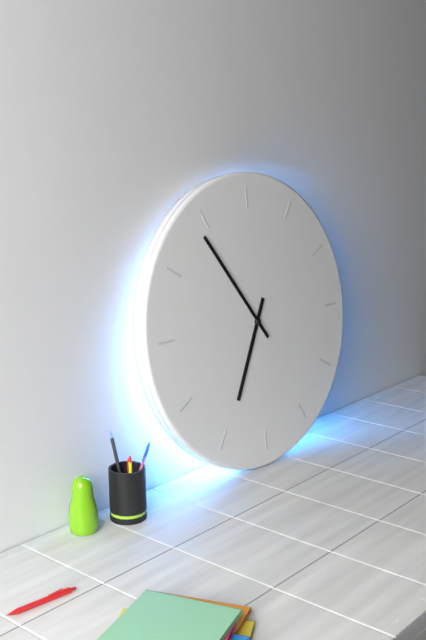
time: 6:54
